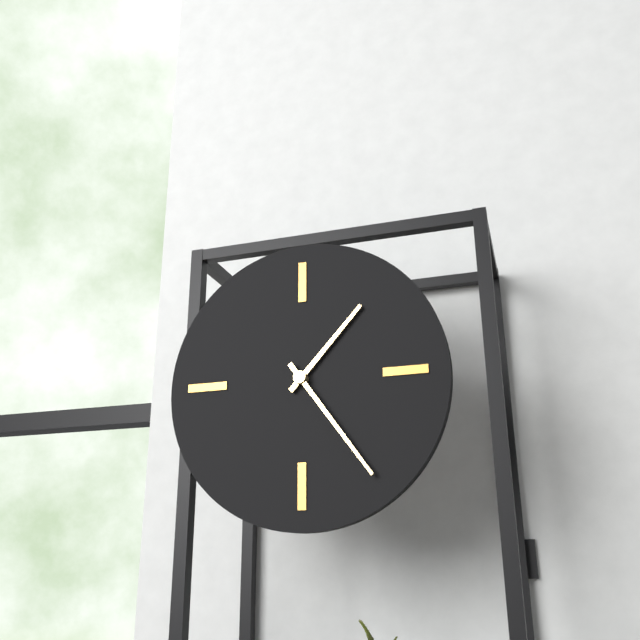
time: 1:24
